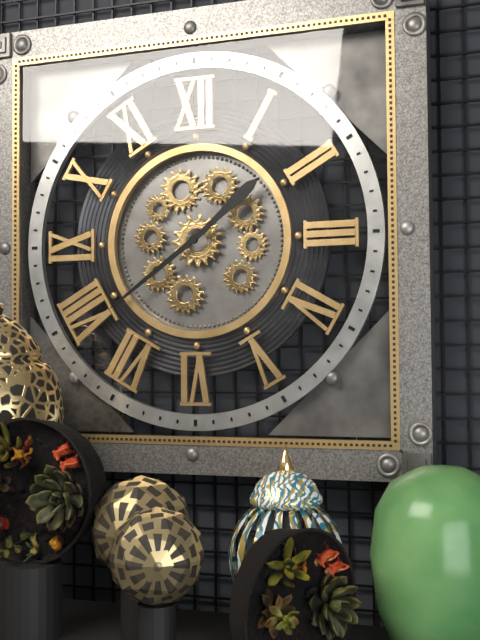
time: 1:39
